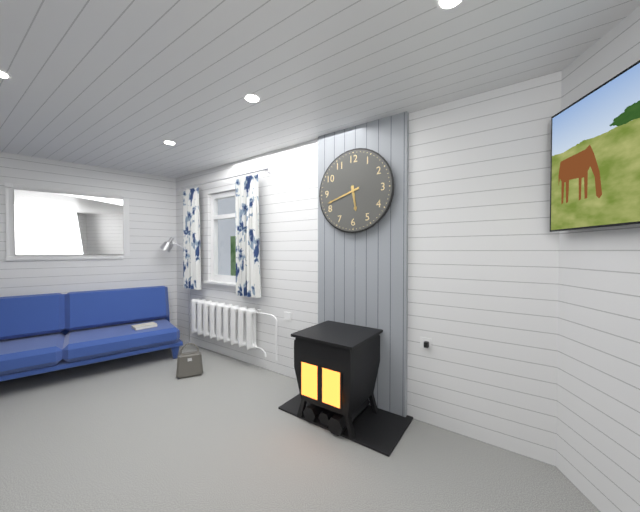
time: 5:42
